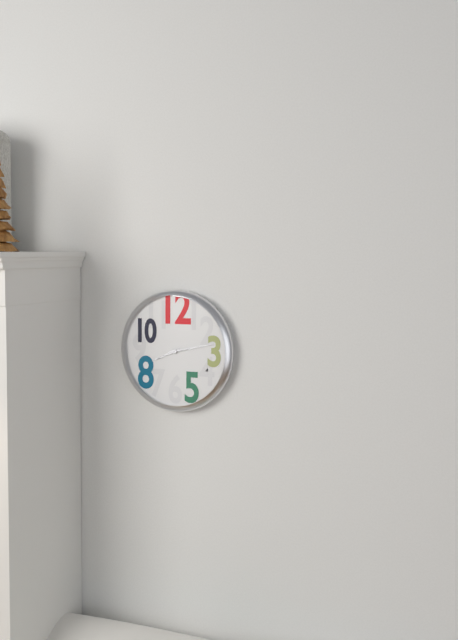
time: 8:13
